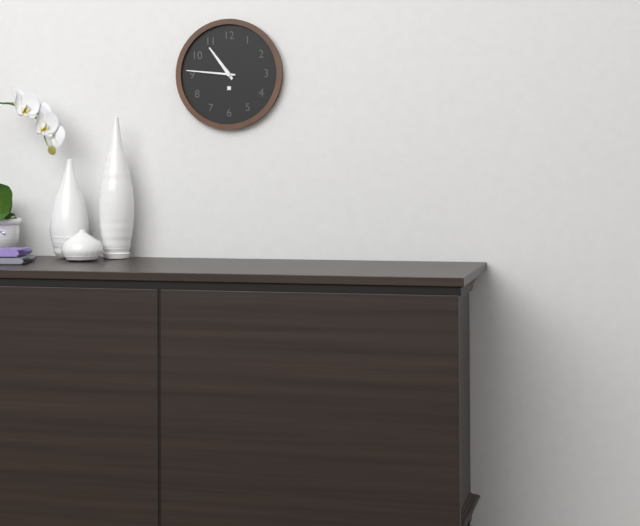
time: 10:46
